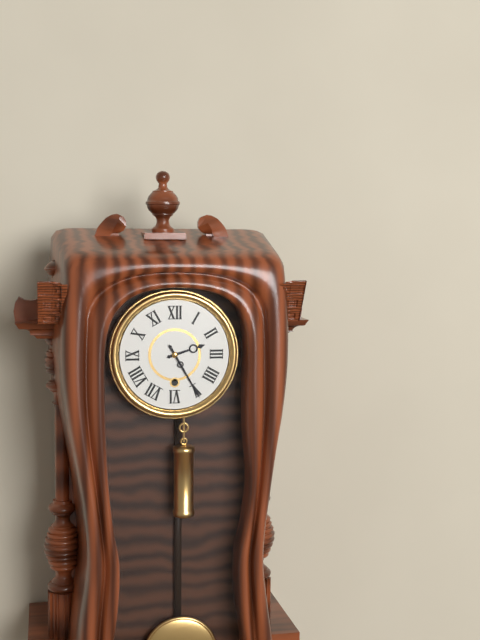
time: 2:25
